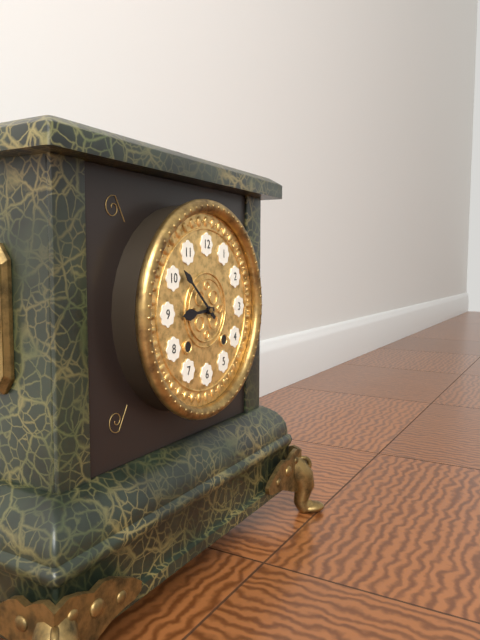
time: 8:52
